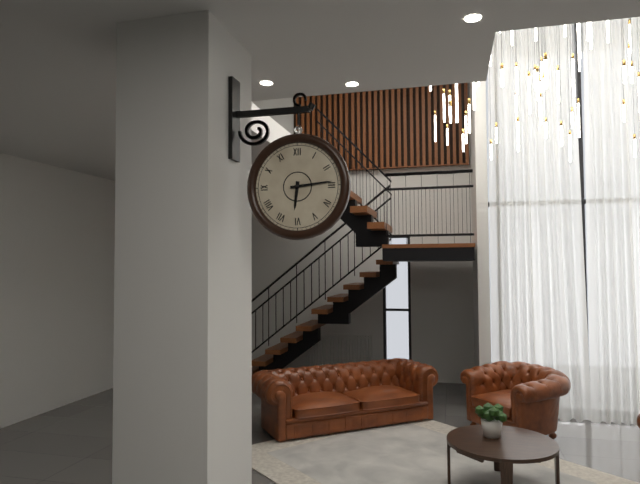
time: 6:14
